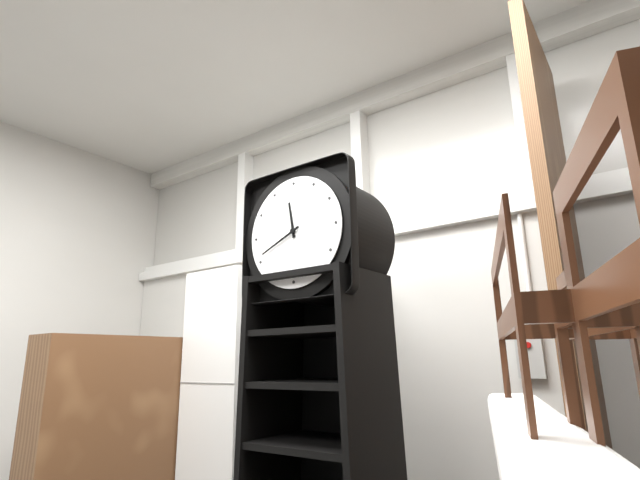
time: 11:41
